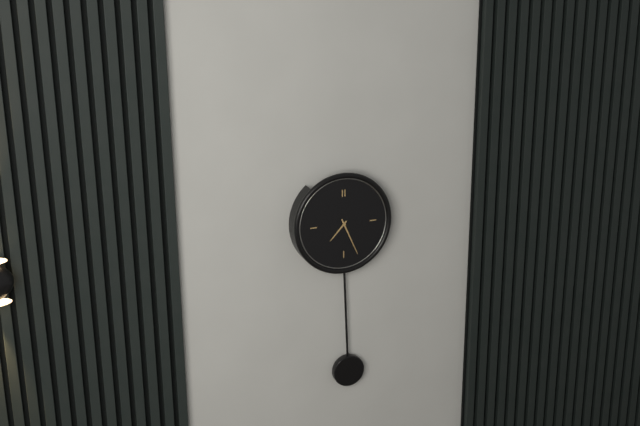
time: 7:26
